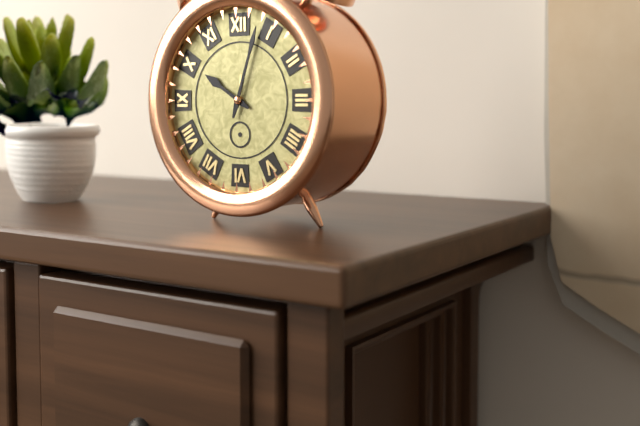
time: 10:03
